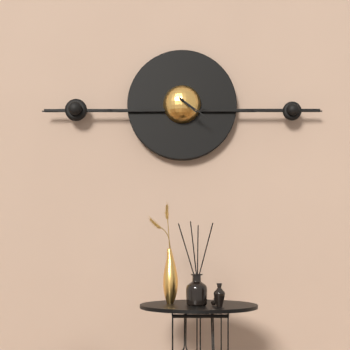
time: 4:21
